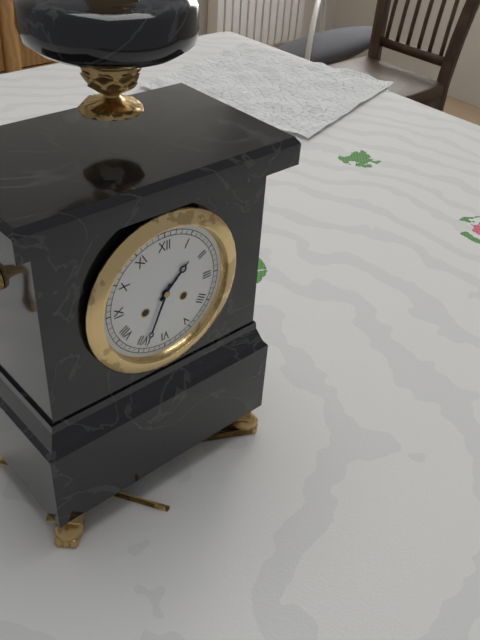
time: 1:34
